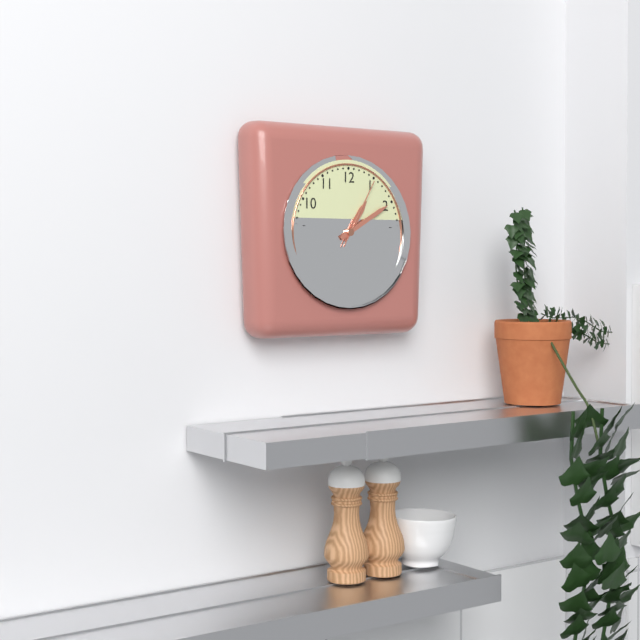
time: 1:10:05
